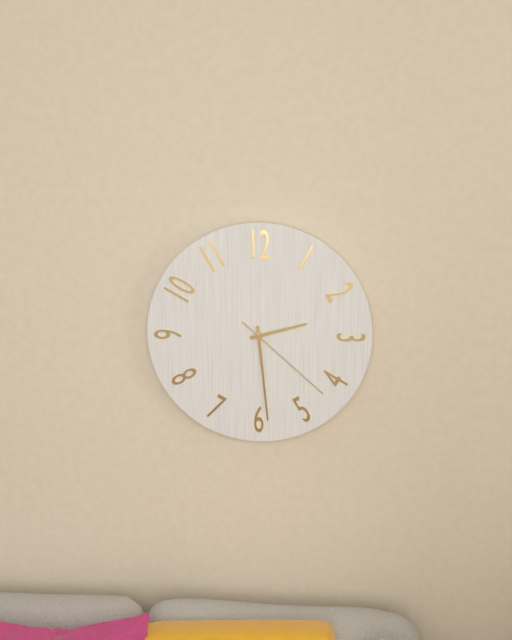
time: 2:29:22
